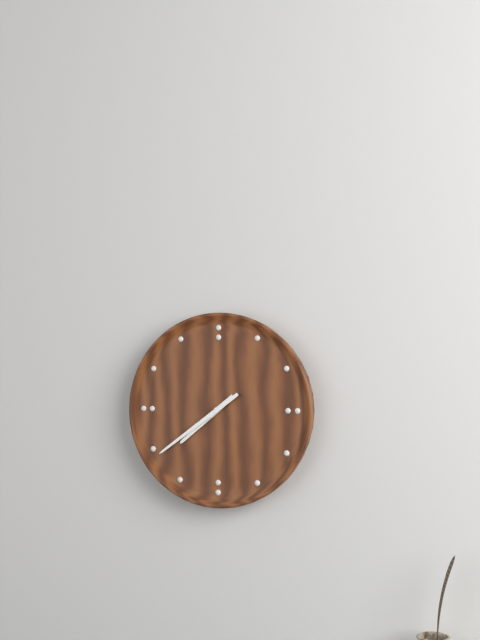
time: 7:39
